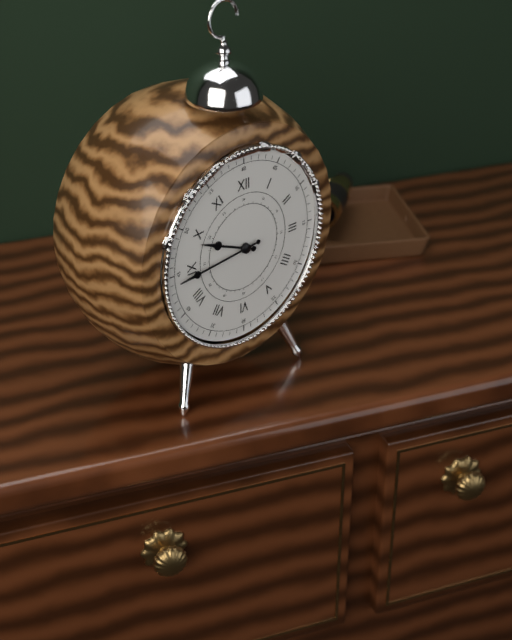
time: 9:44
